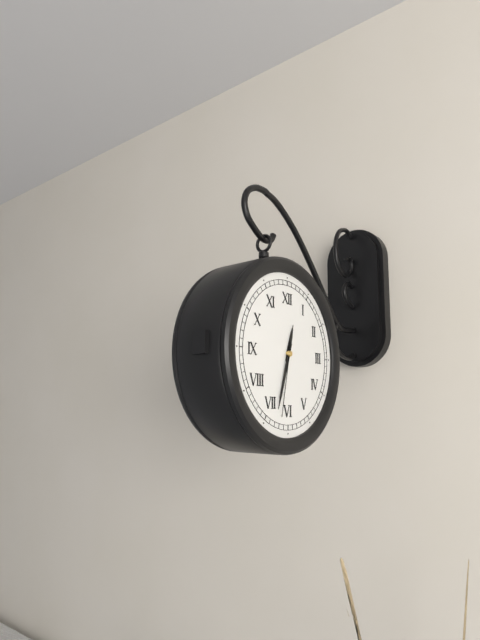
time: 12:33:32
